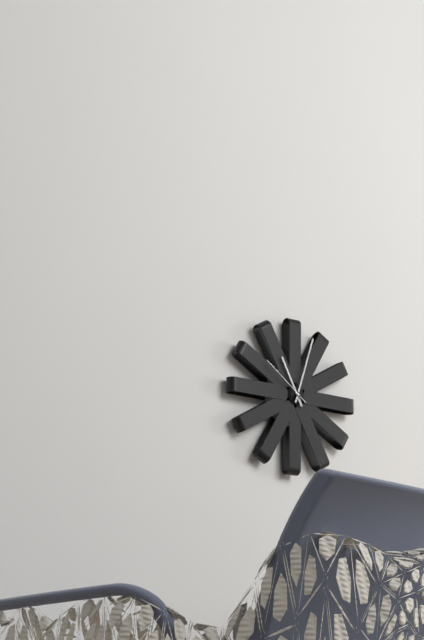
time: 11:03:51
